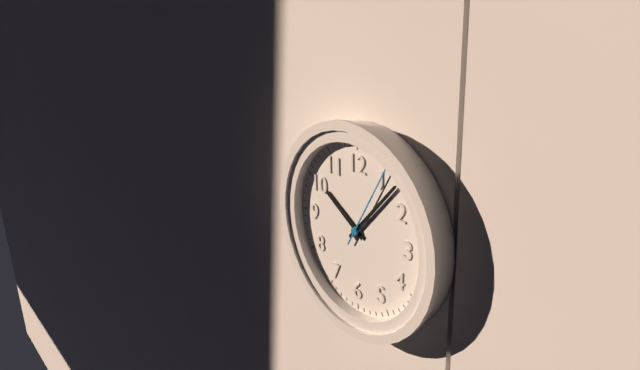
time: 10:07:05
